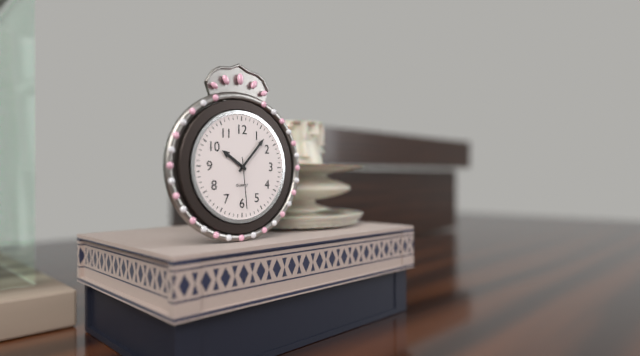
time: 10:07:29
